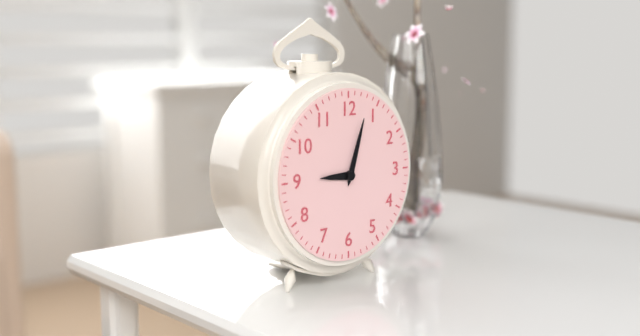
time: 9:03
